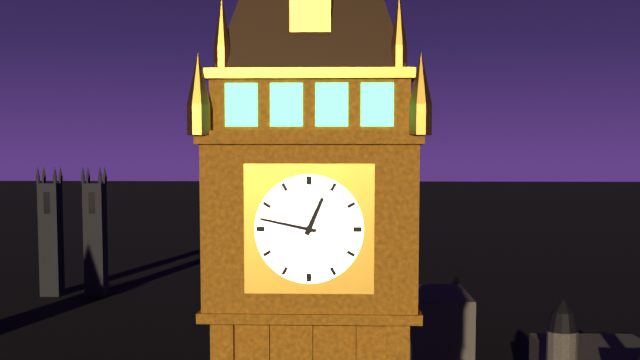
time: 12:47
